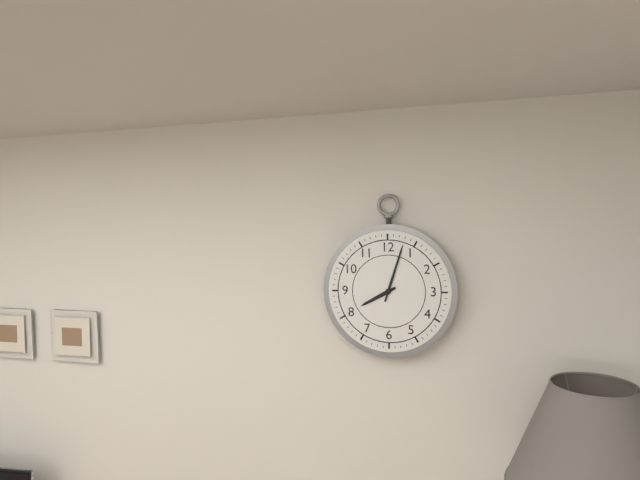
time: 8:03
